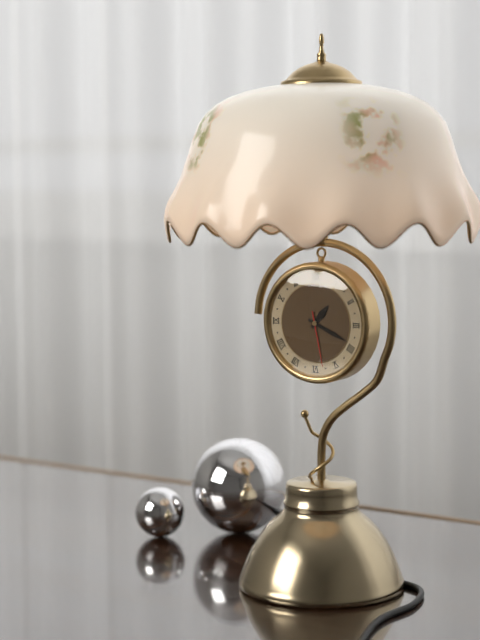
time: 1:19:28
